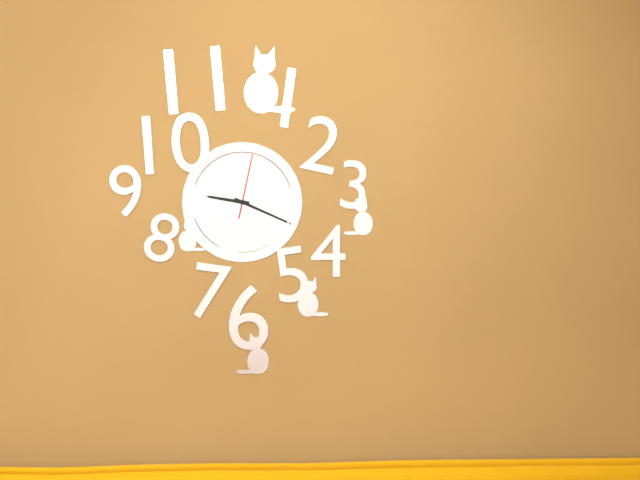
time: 9:19:02
